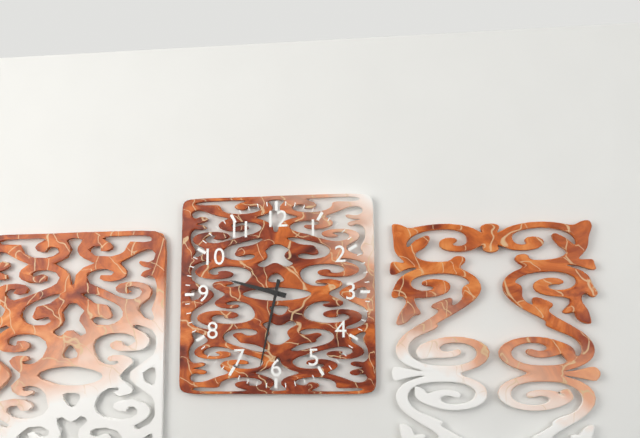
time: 9:32
